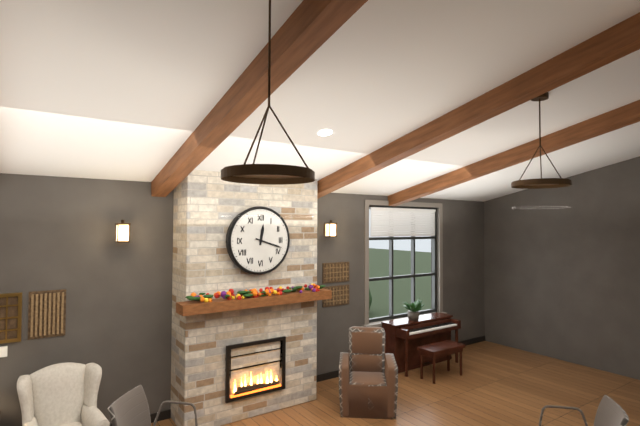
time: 12:18
